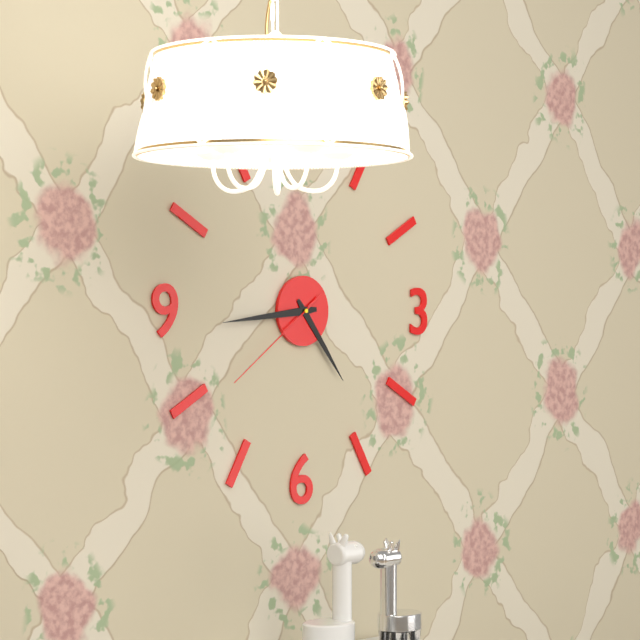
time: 4:44:39
